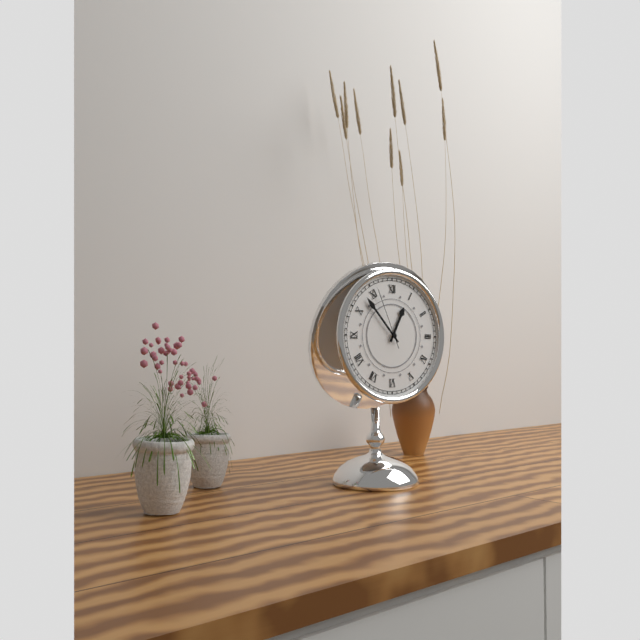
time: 12:53:56
